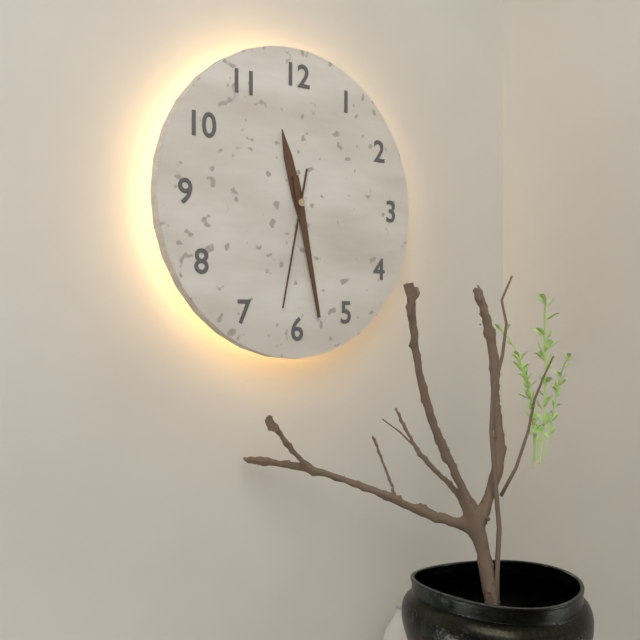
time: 11:28:32
